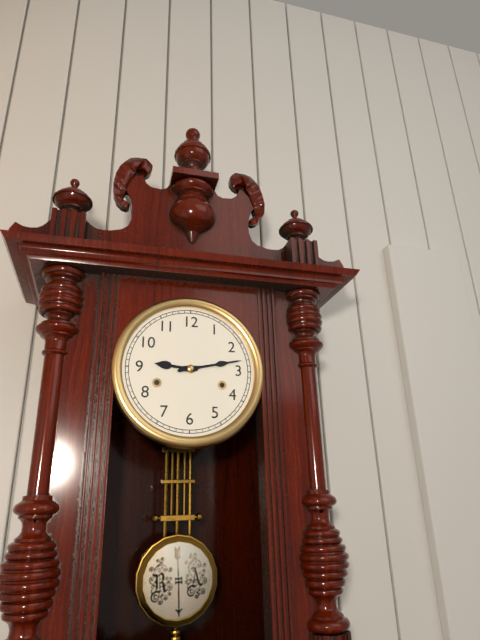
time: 9:13
